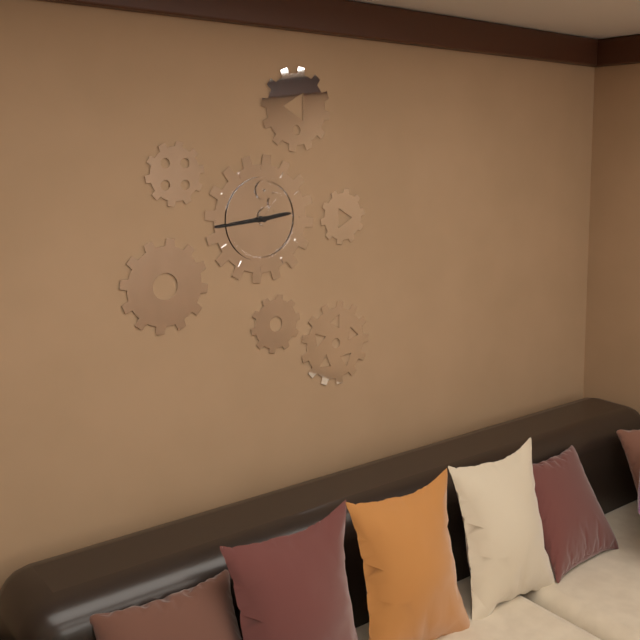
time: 2:44
